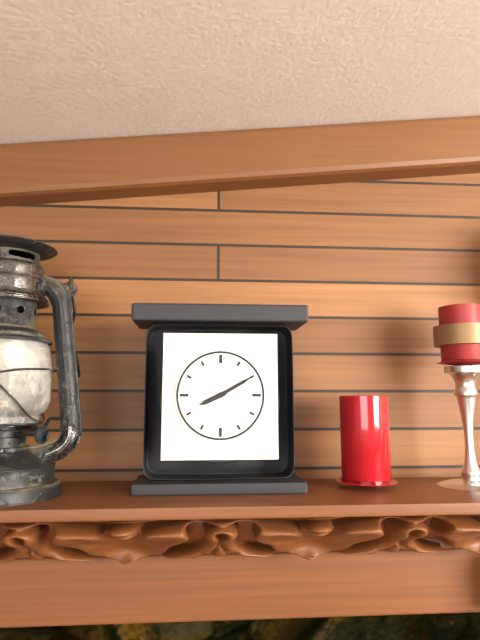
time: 8:10
